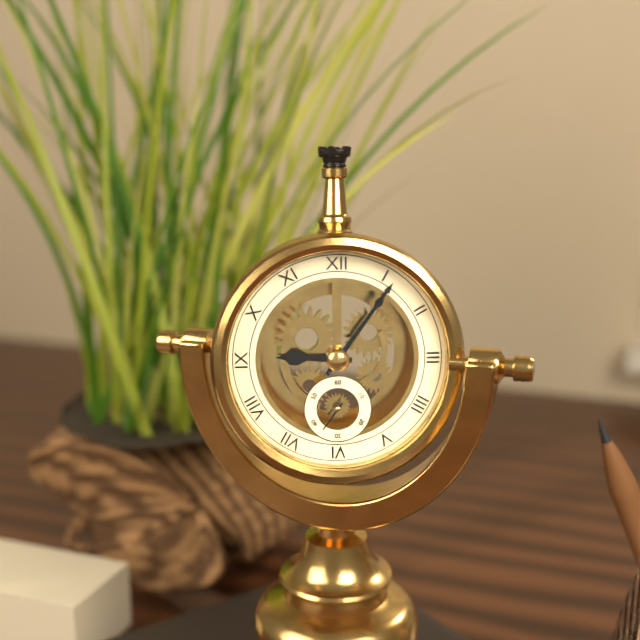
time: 9:06
